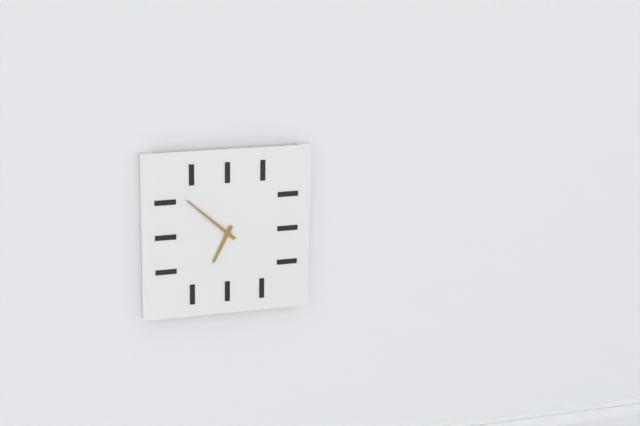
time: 6:52
